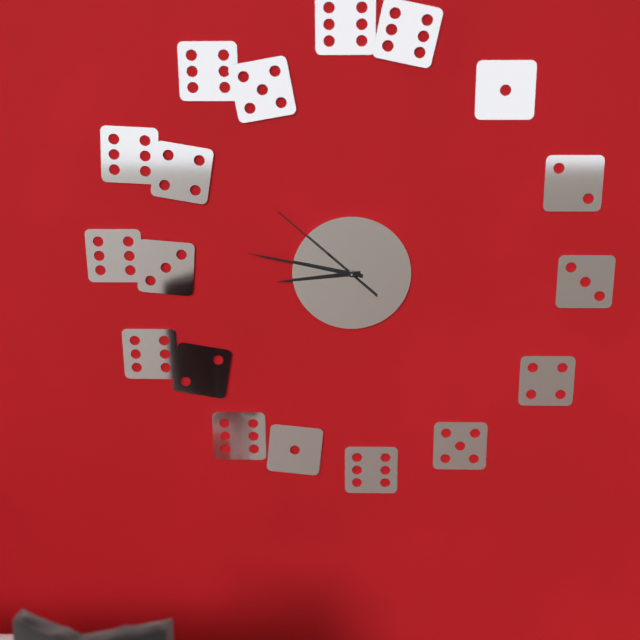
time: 8:47:52
